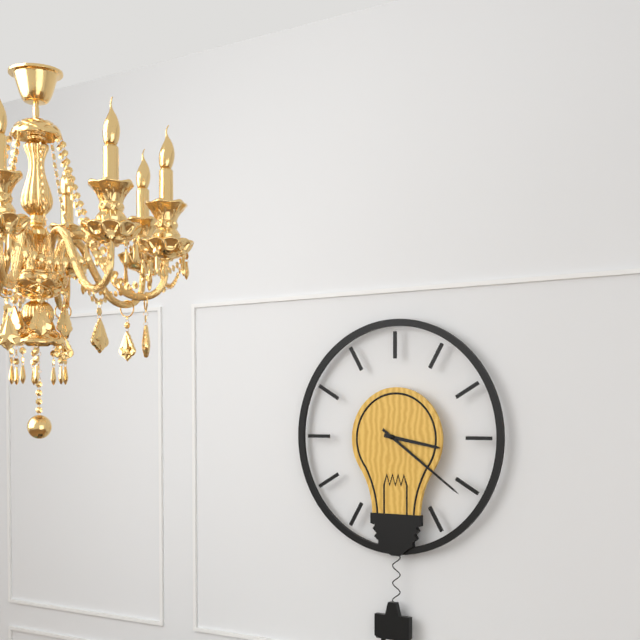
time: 3:21
